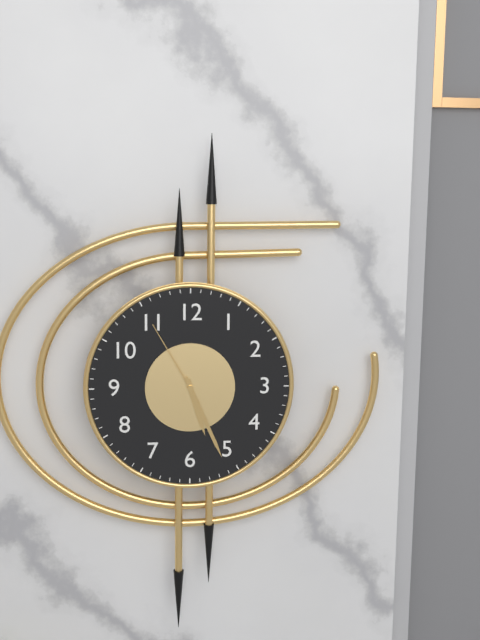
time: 5:26:55
